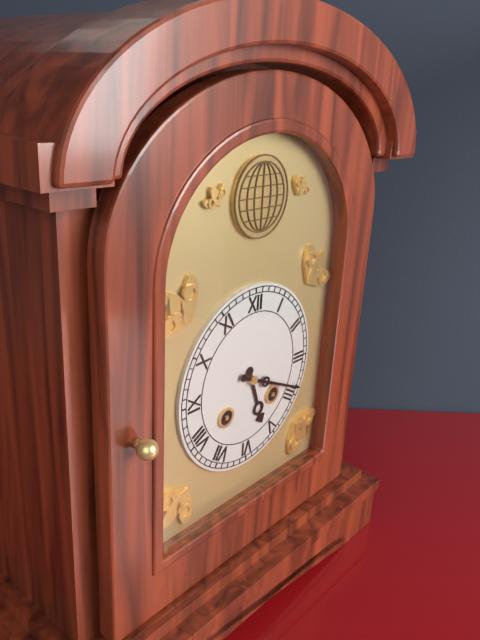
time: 5:19
